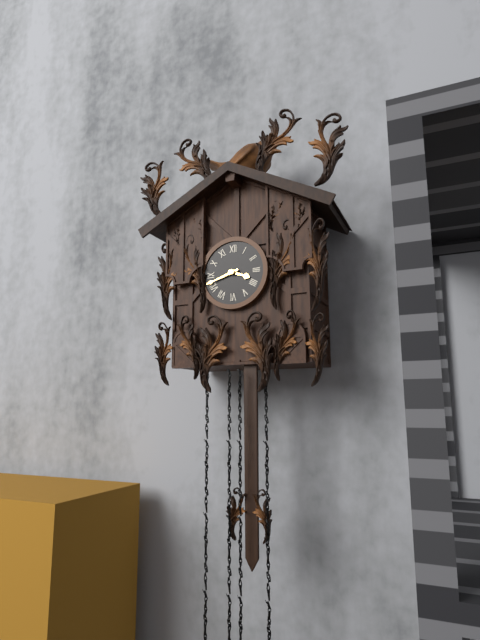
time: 3:42
